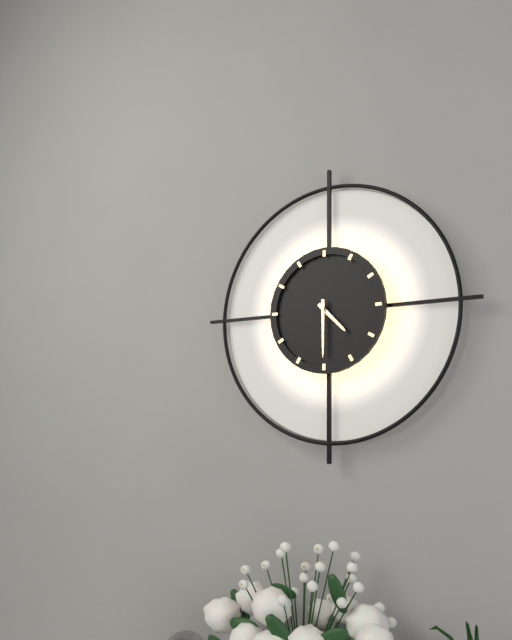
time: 4:30
